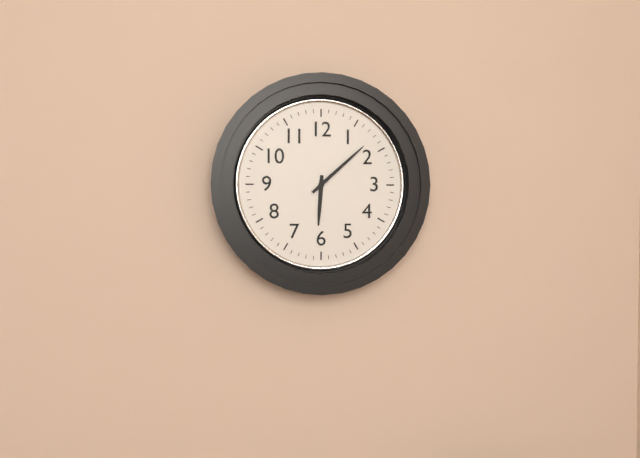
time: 6:08
